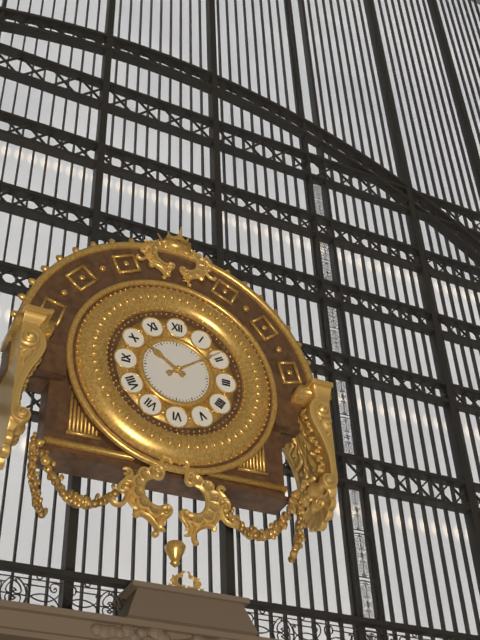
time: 10:09
